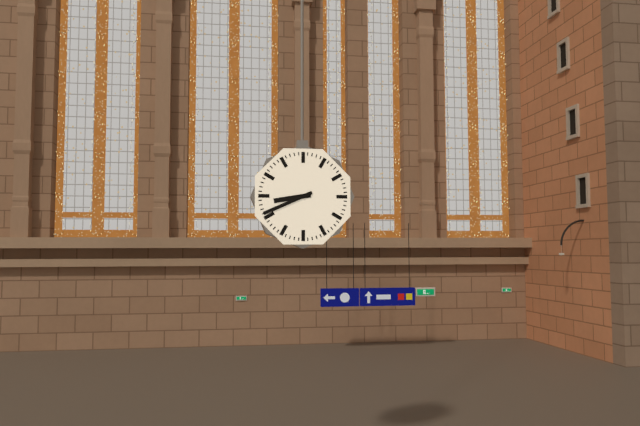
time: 8:41
